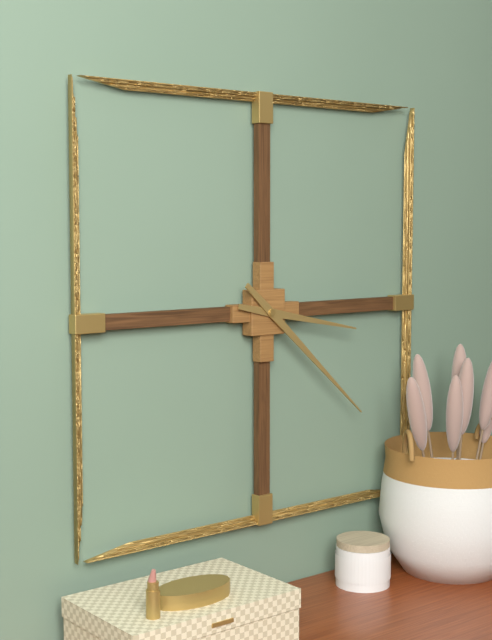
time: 3:22
